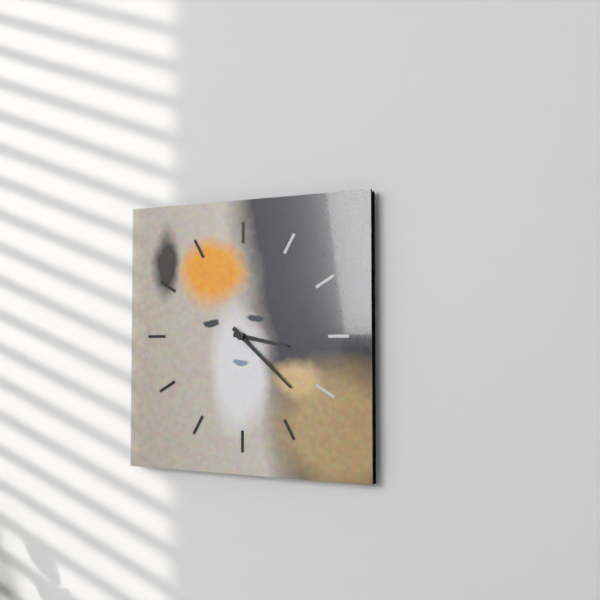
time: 3:22
